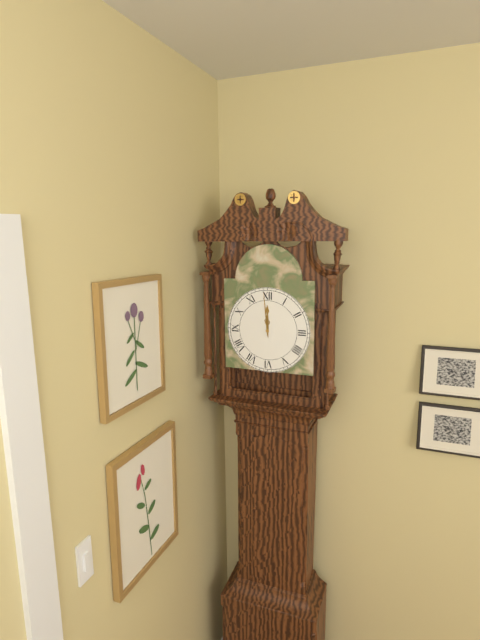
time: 11:59
